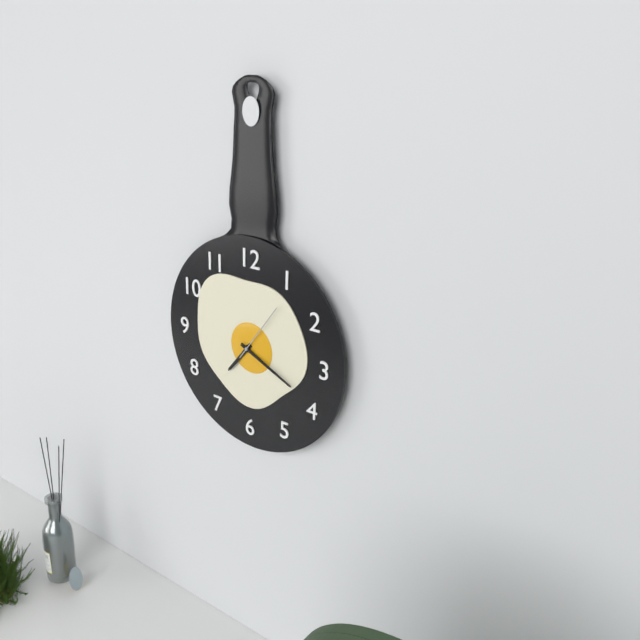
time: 7:19
